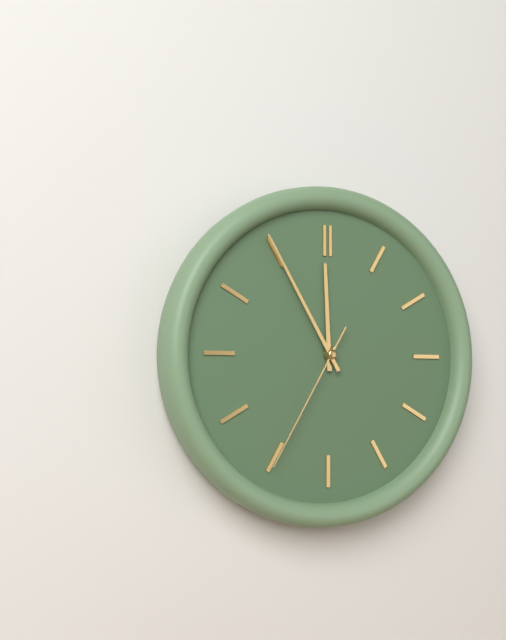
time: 11:55:35
